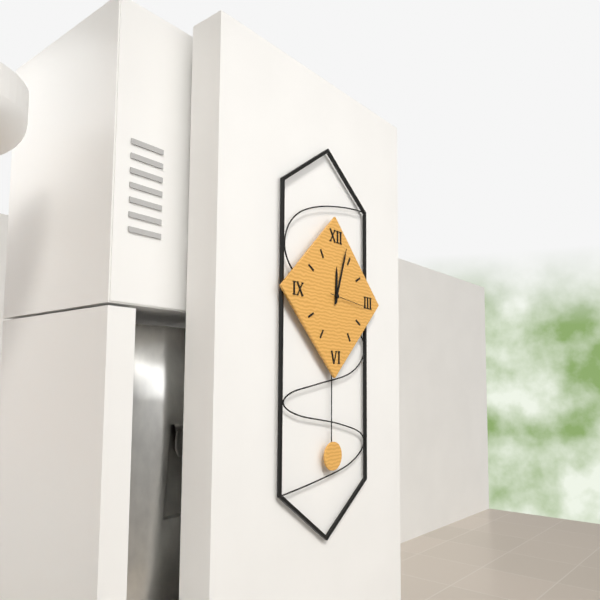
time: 12:03
